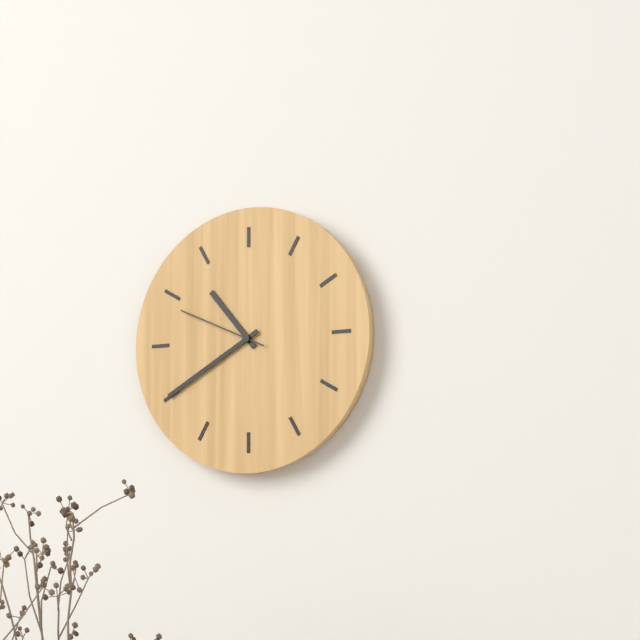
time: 10:40:49
